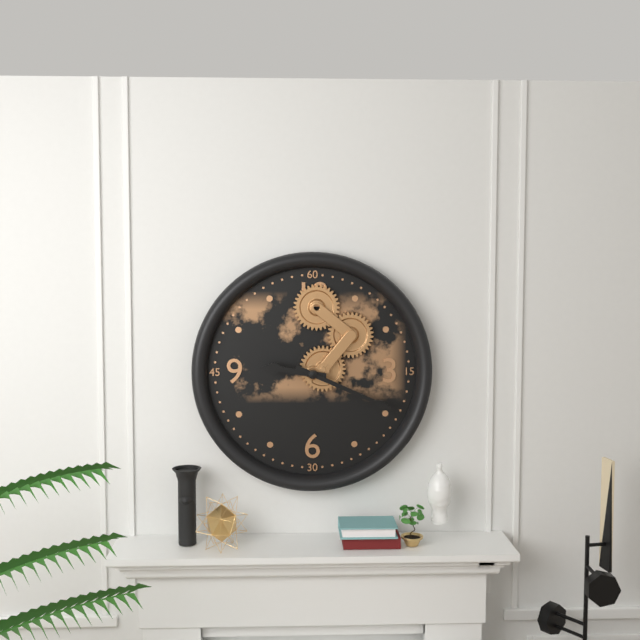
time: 9:19
